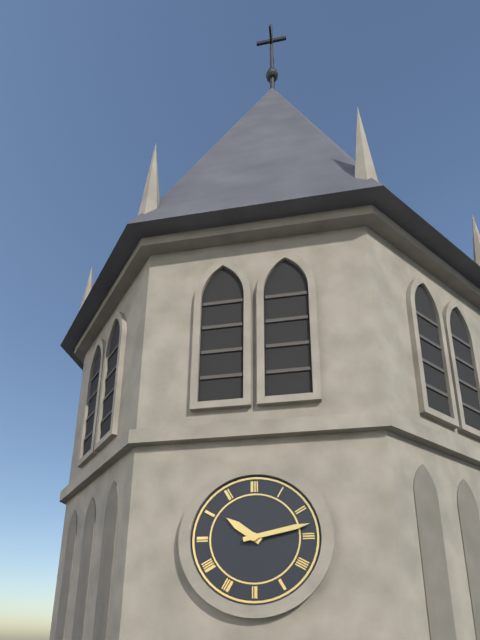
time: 10:13
